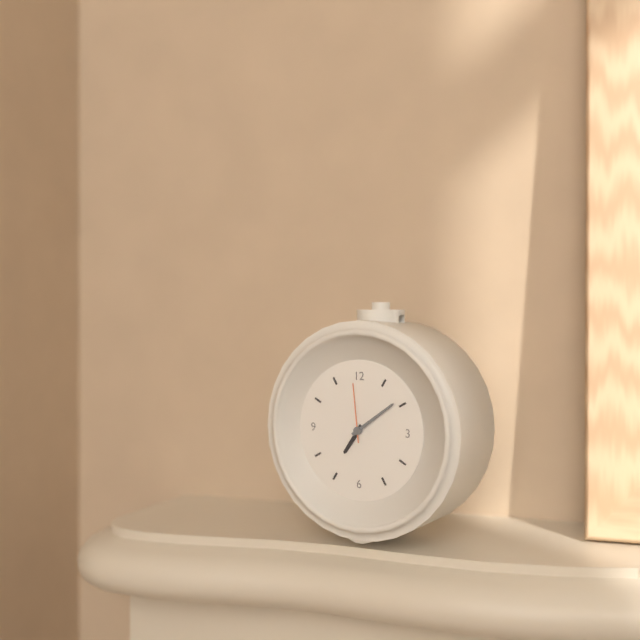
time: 7:09:59
